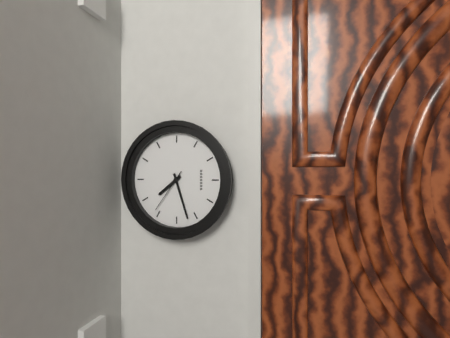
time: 10:42
